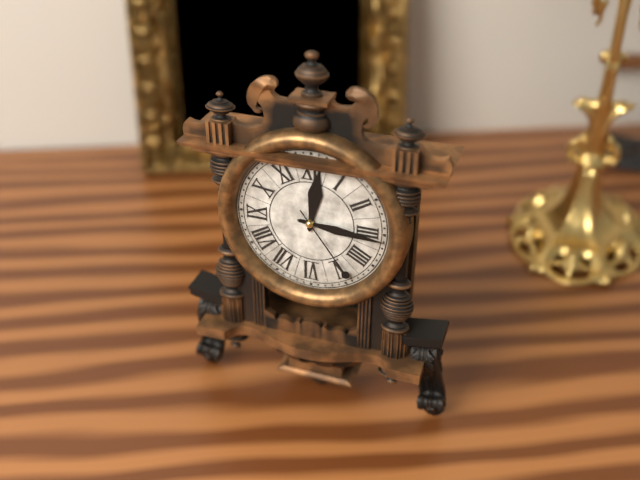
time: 12:16:24
